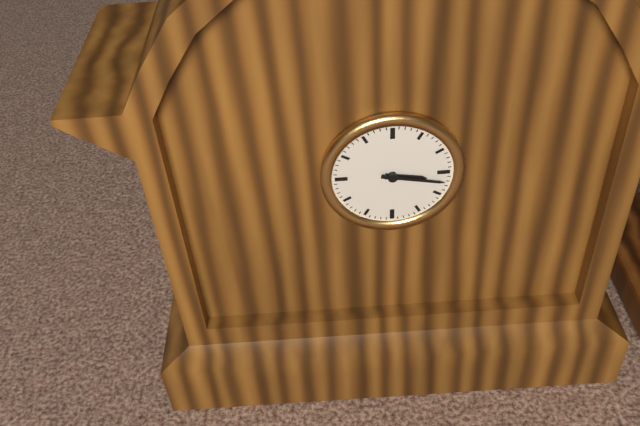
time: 3:17
